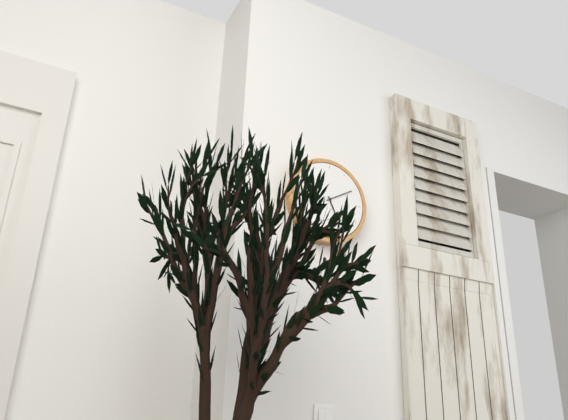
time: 5:10
